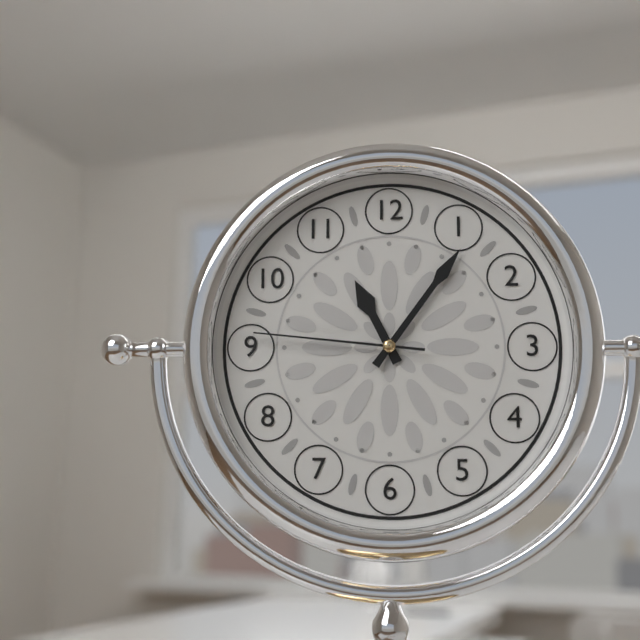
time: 11:06:46
